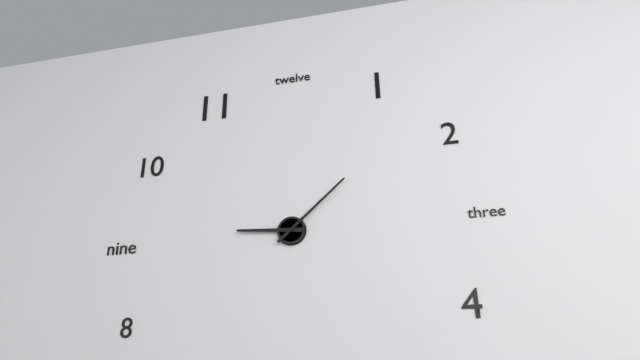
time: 9:08
